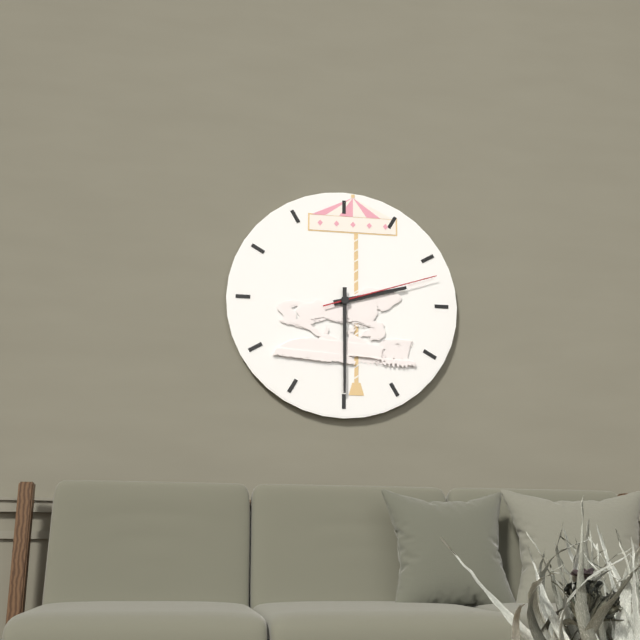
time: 2:30:12
